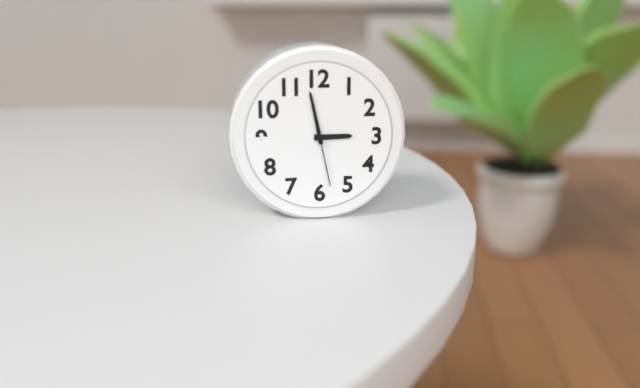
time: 2:58:28
